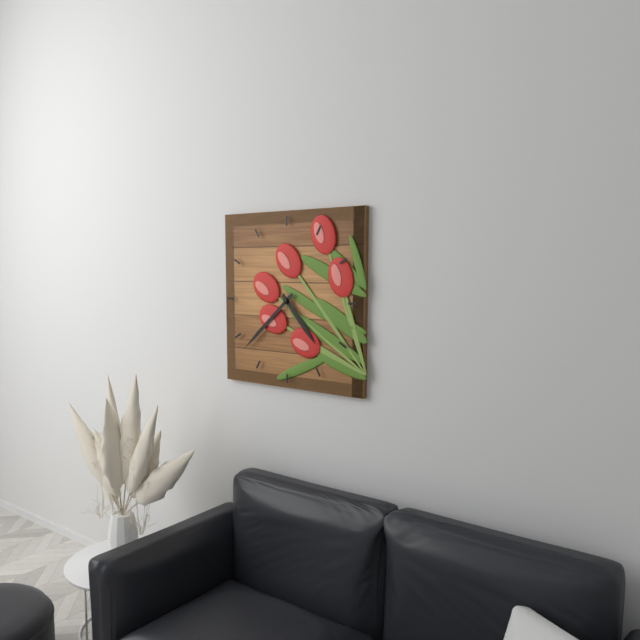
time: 4:38
